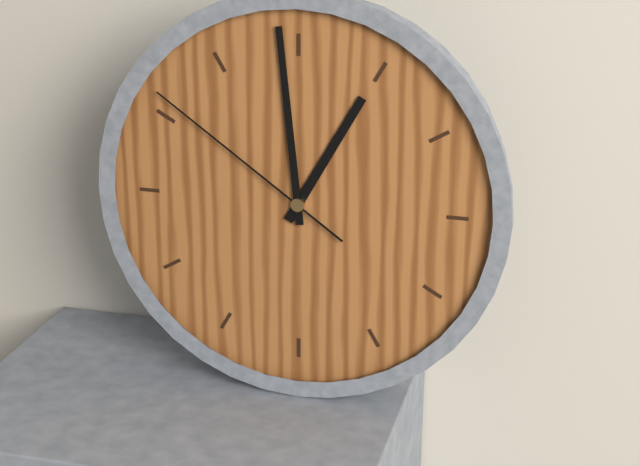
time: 12:59:51
